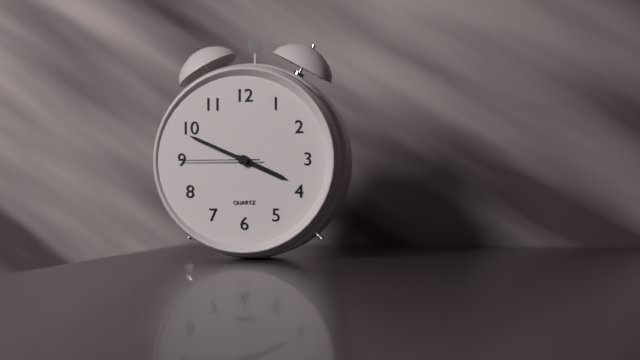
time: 3:49:45
